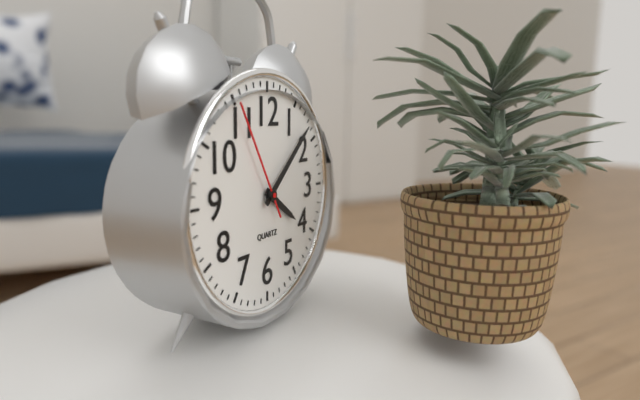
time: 4:08:55
